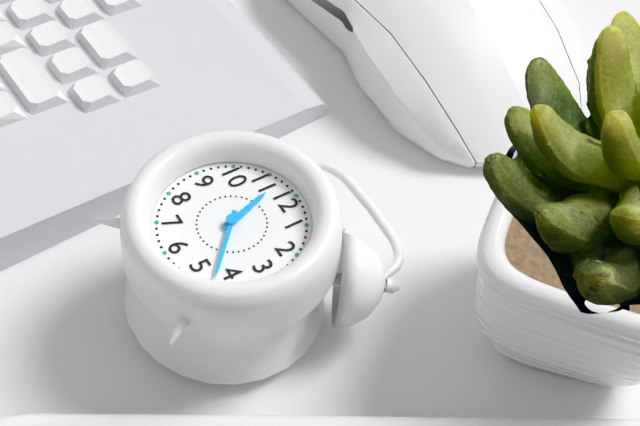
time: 11:22
